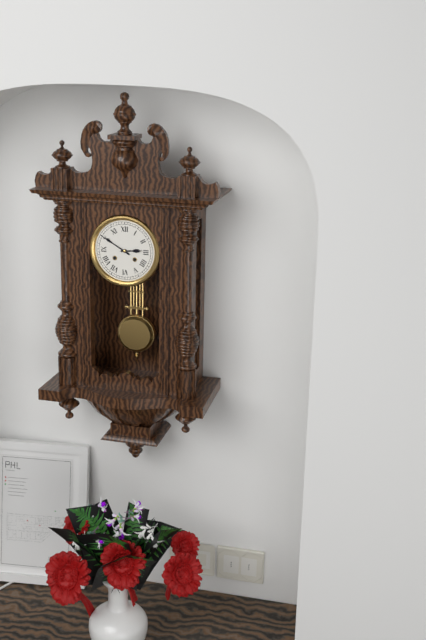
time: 2:50
